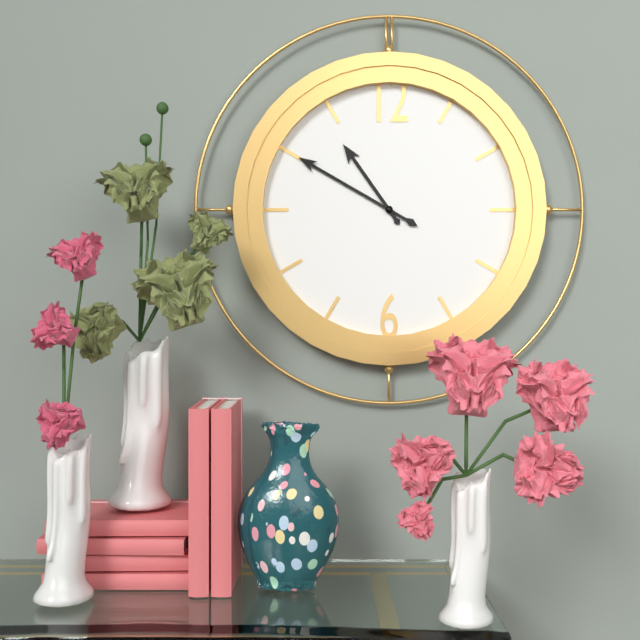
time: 10:50
